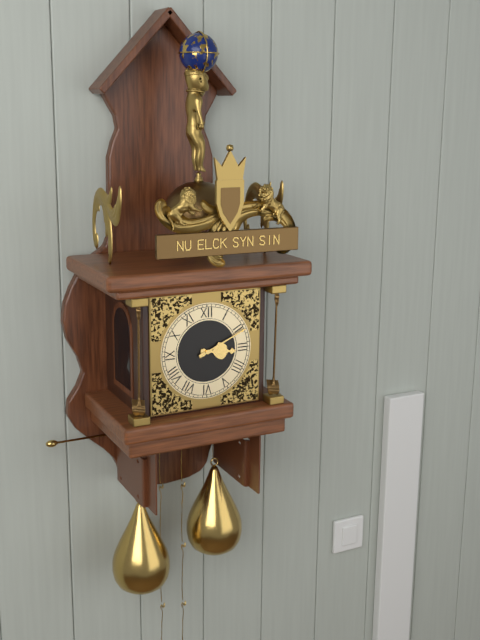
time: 3:11
